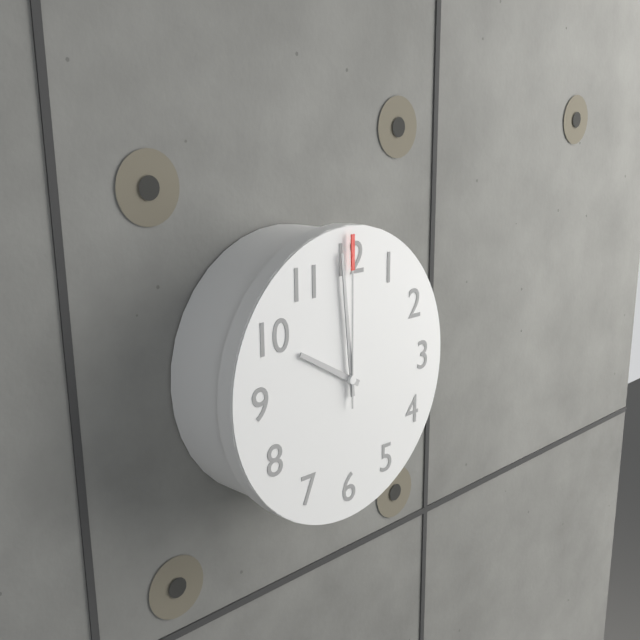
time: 9:59:00
